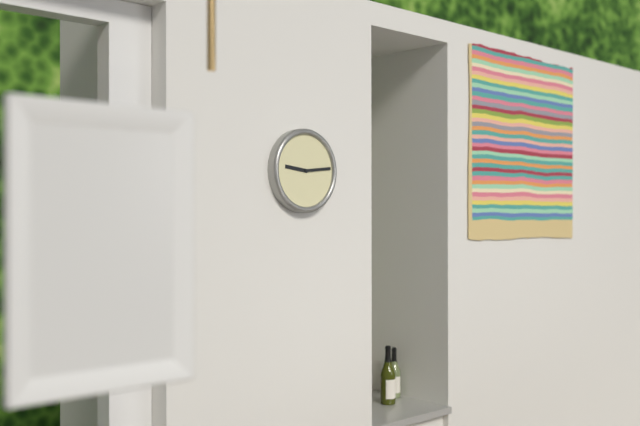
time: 9:14
